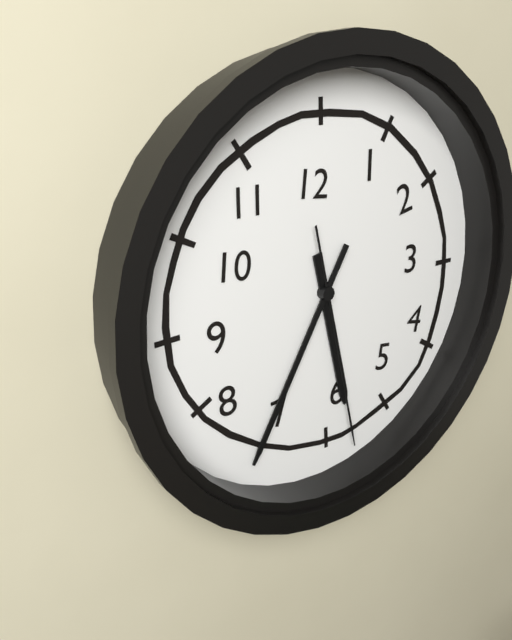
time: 5:35:28
